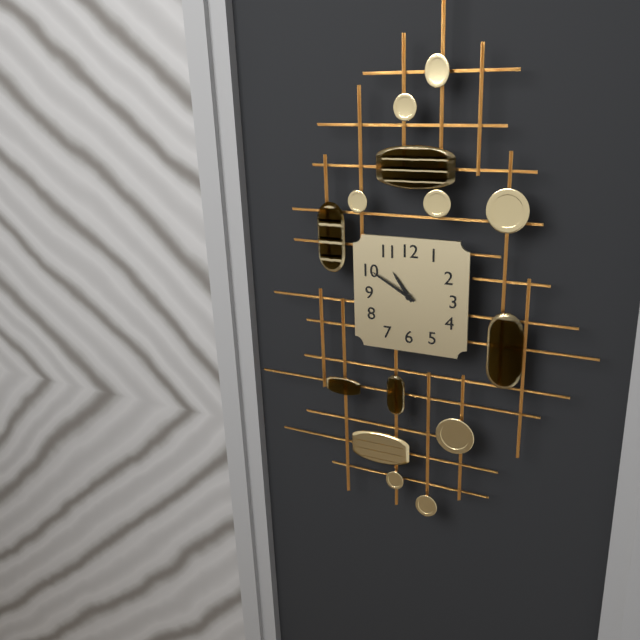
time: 10:50
